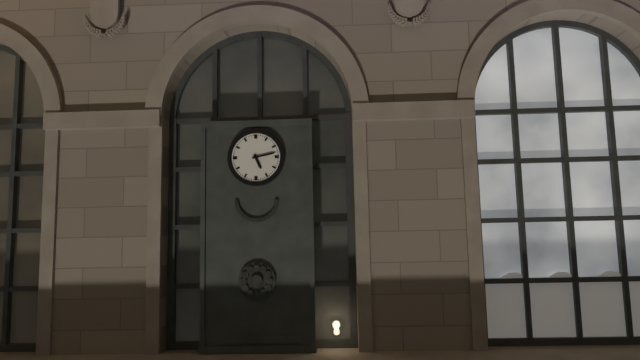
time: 5:13
